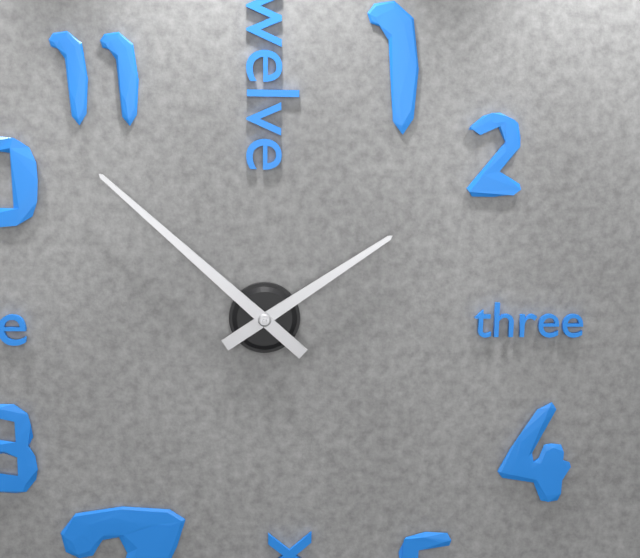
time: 1:52
